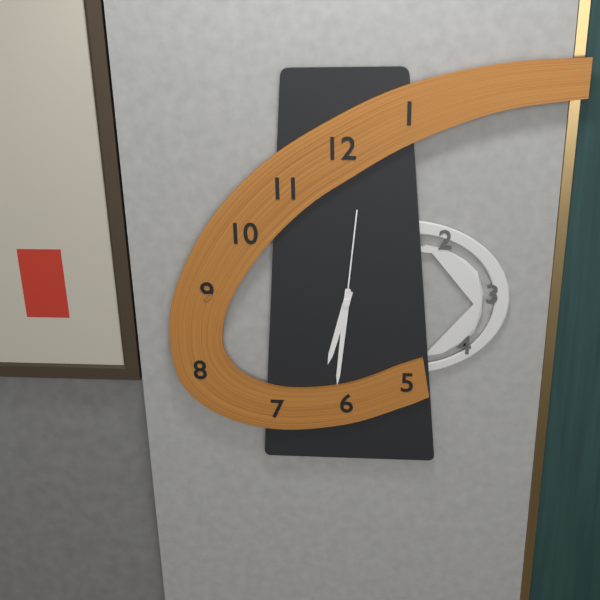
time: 6:31:01
